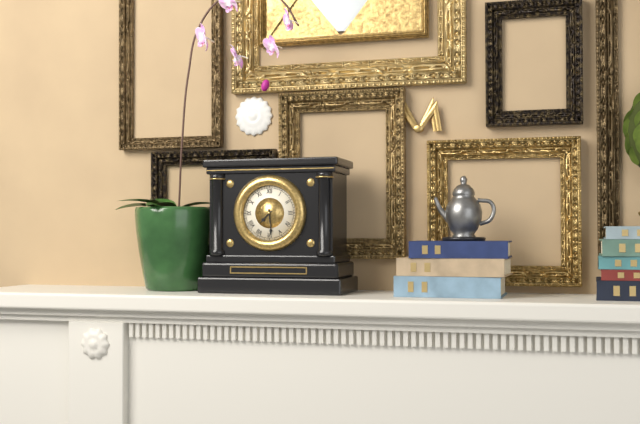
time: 7:29
